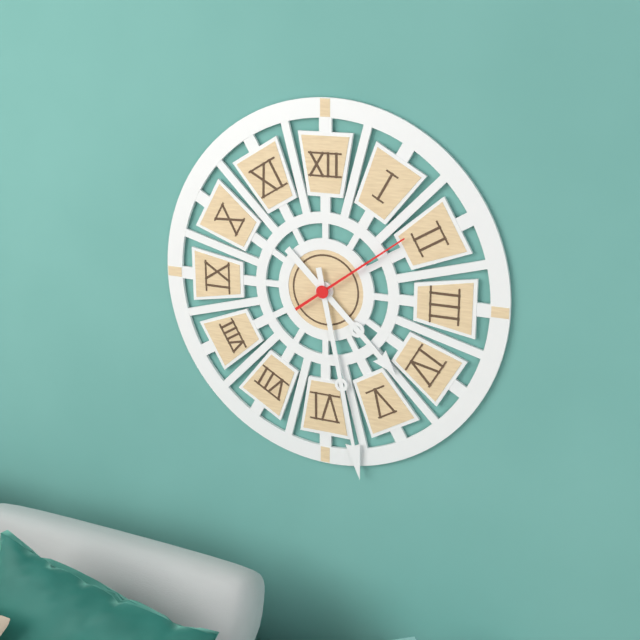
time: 4:28:09
